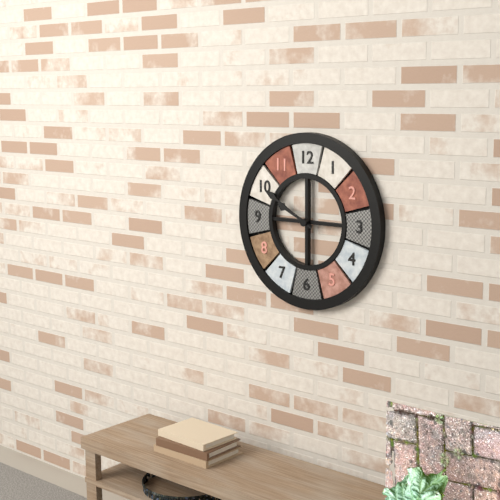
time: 9:50
